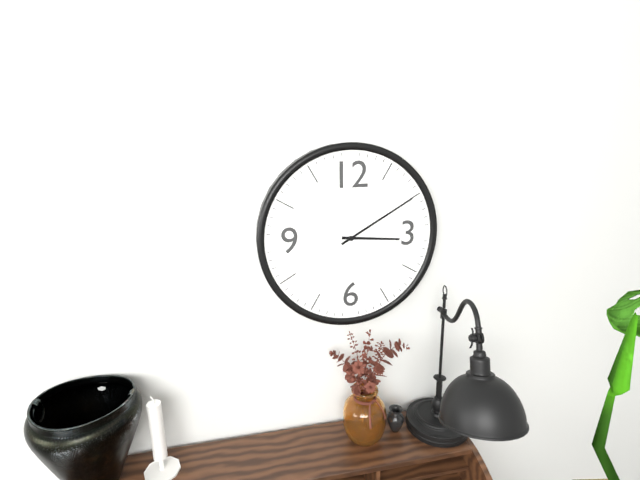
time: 3:10
